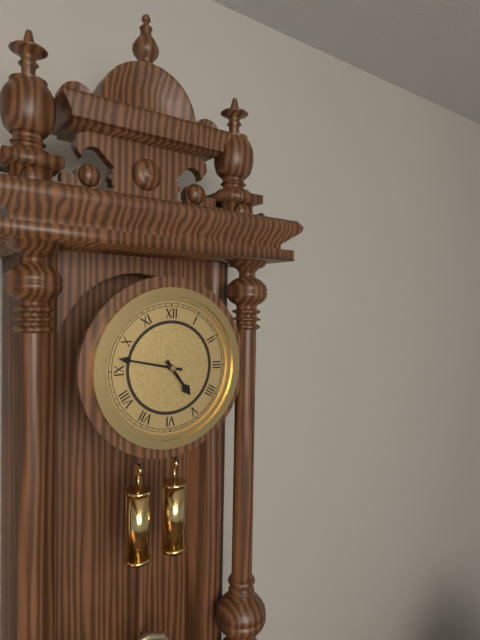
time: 4:47
